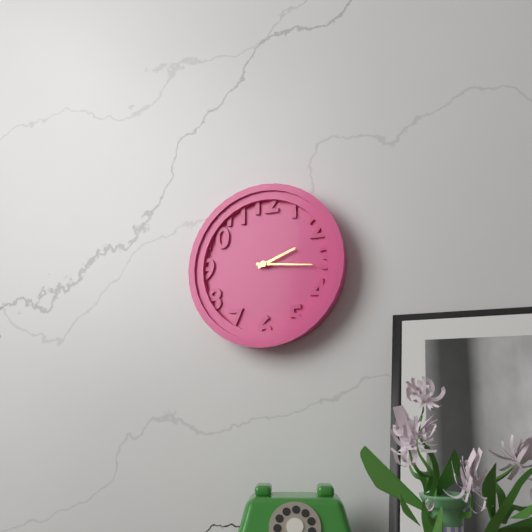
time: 2:16
